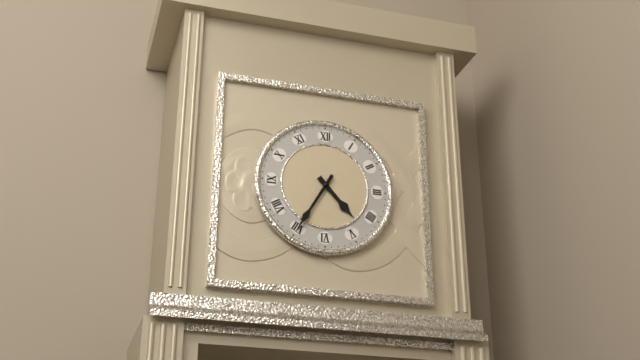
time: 4:35
